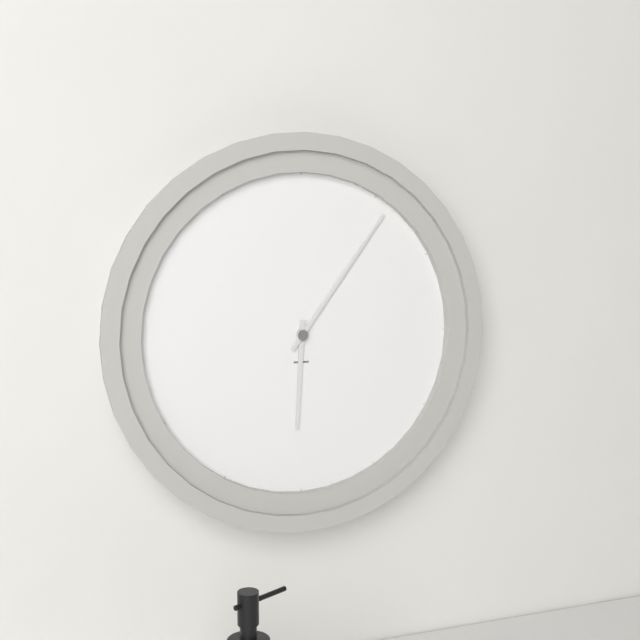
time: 6:06
